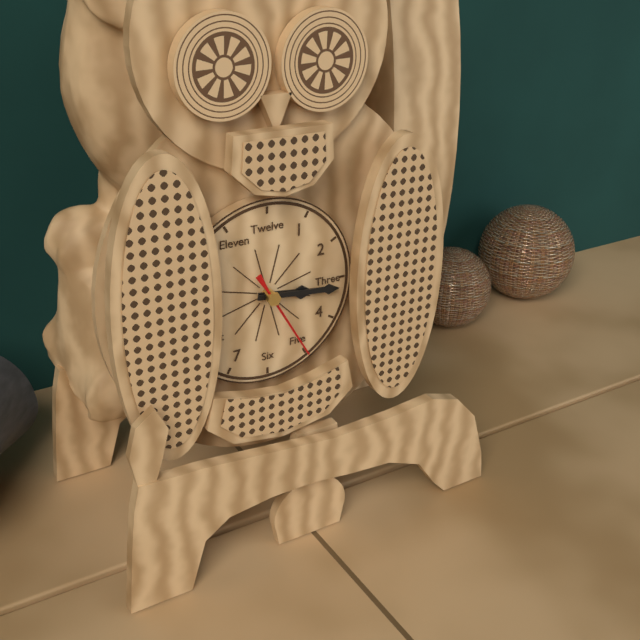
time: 3:16:25
